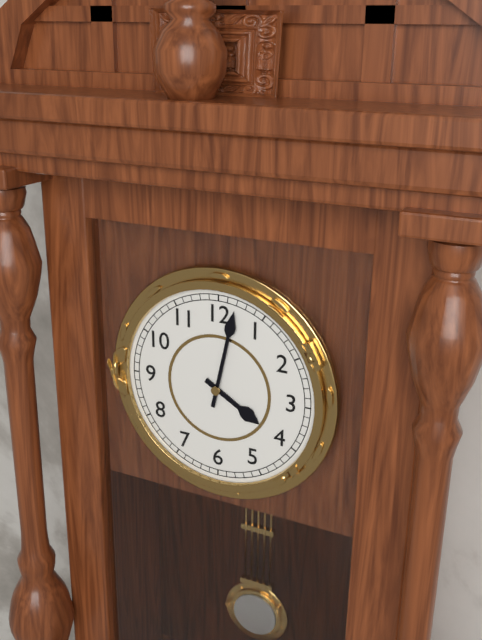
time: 4:02
